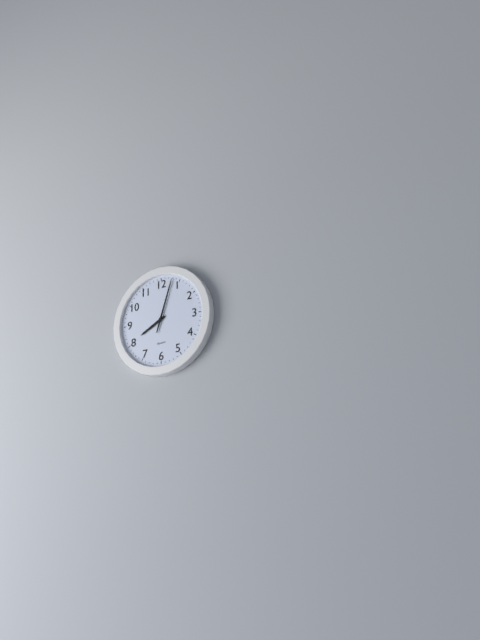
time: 8:03
